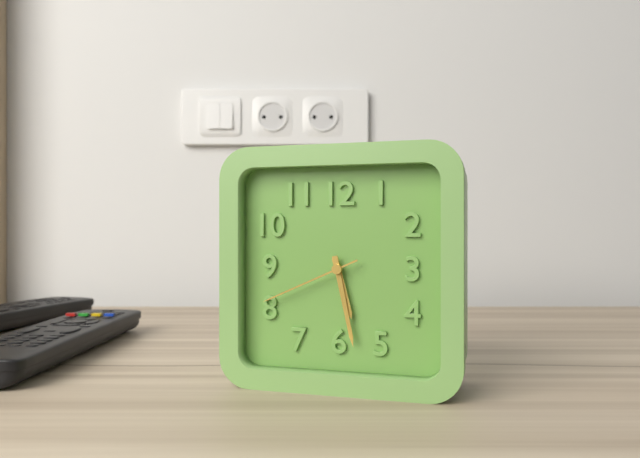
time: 5:28:41
